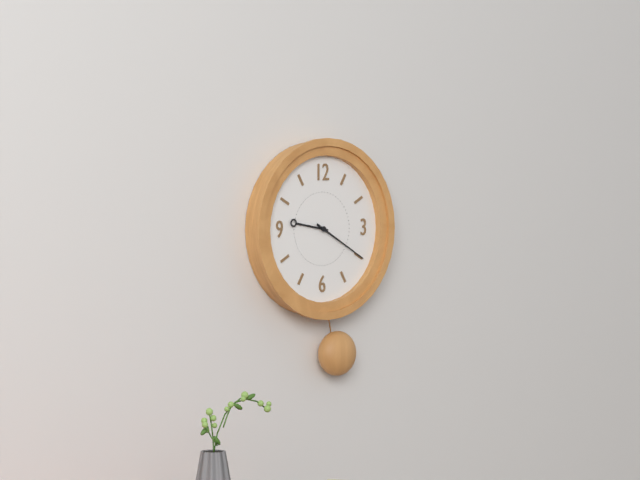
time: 9:20
